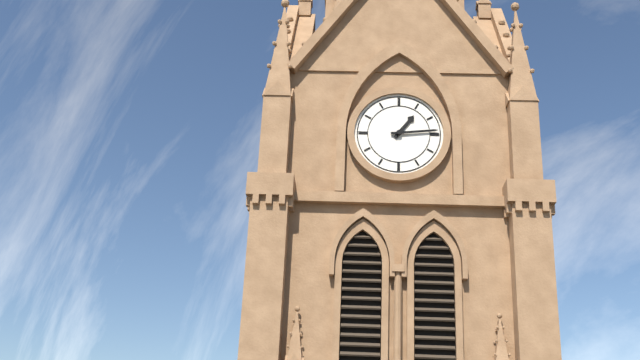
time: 1:14
